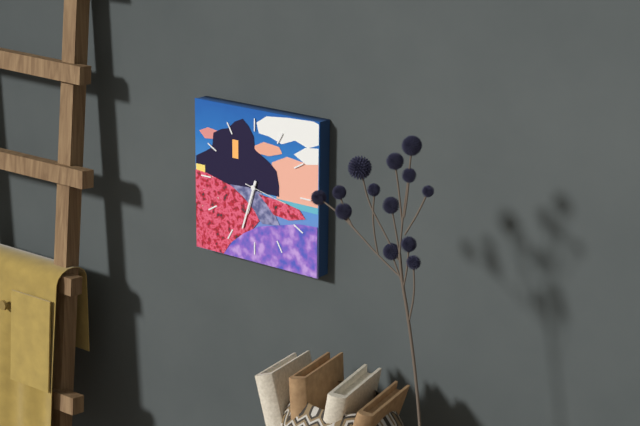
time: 6:33
